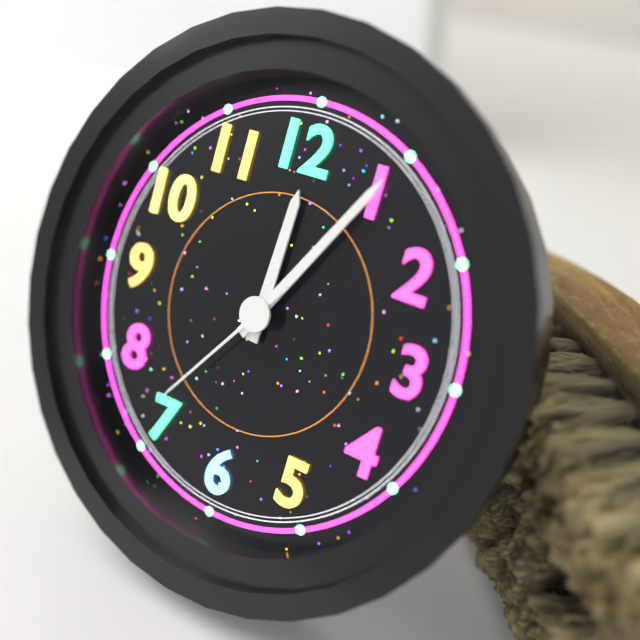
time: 12:05:36
